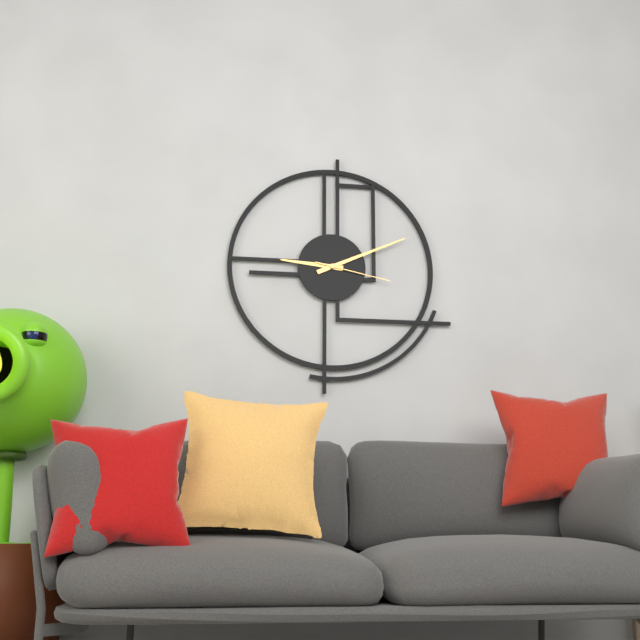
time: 9:11:17
